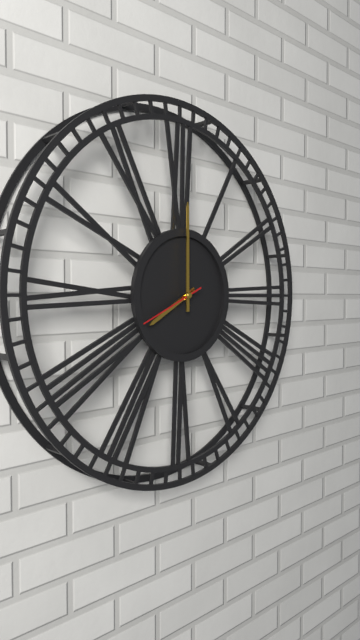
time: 8:00
